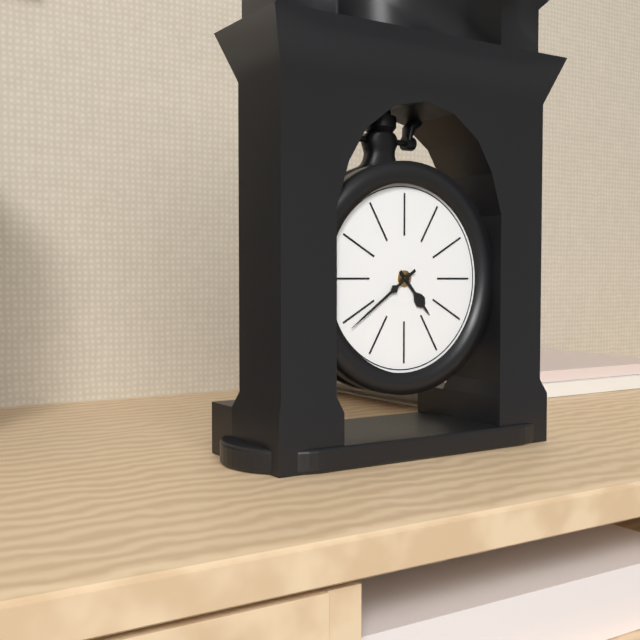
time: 4:39
